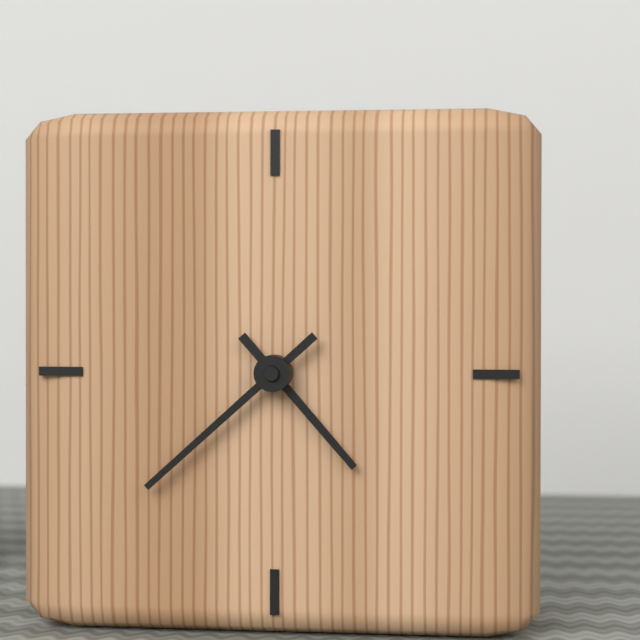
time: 4:38
